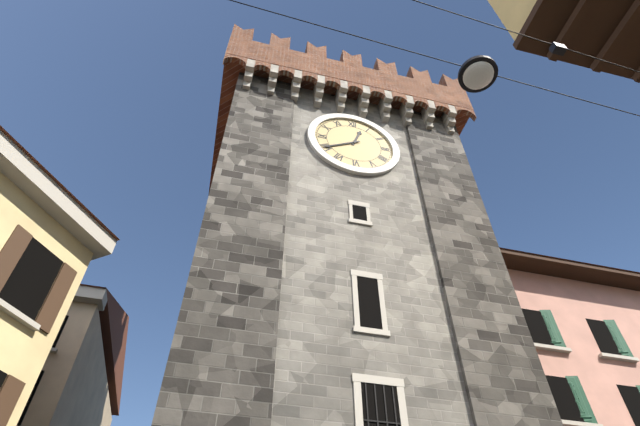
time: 12:40
